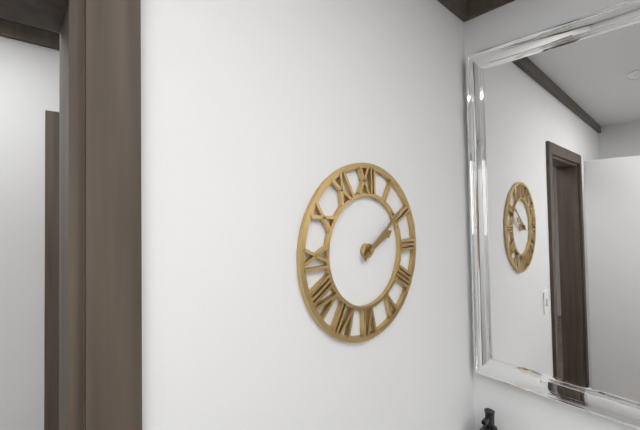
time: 2:09
